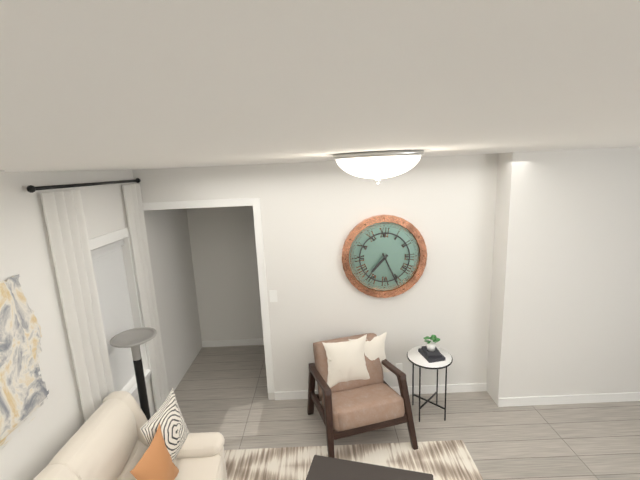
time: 7:26
